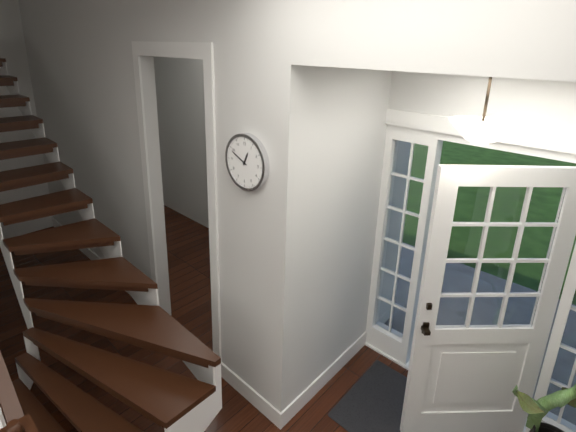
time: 12:49
